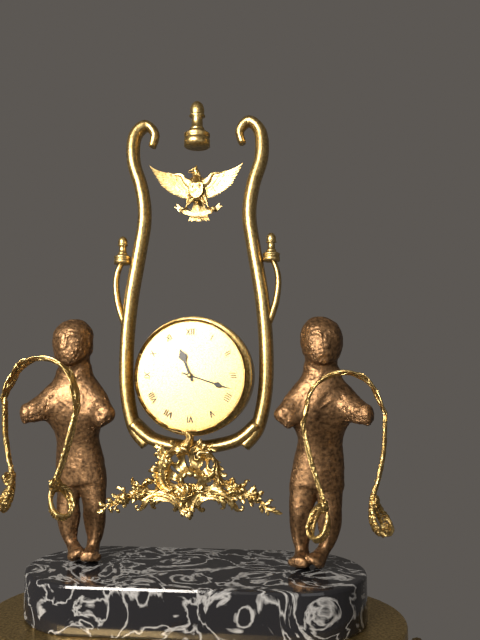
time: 11:18
